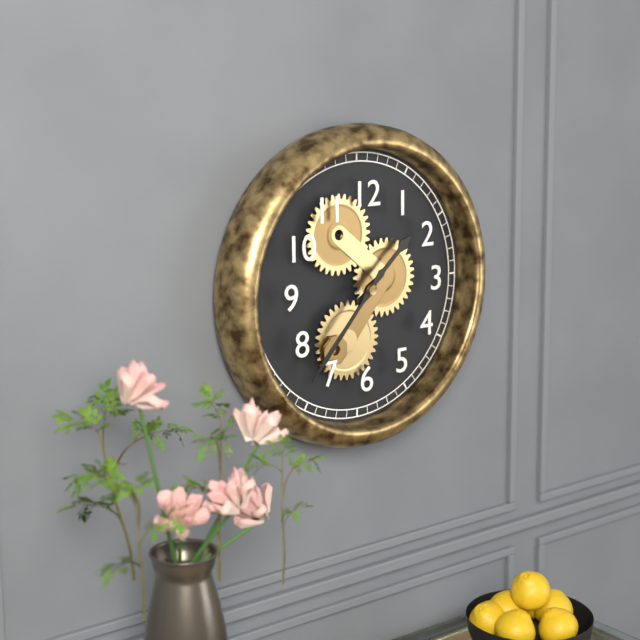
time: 1:37
